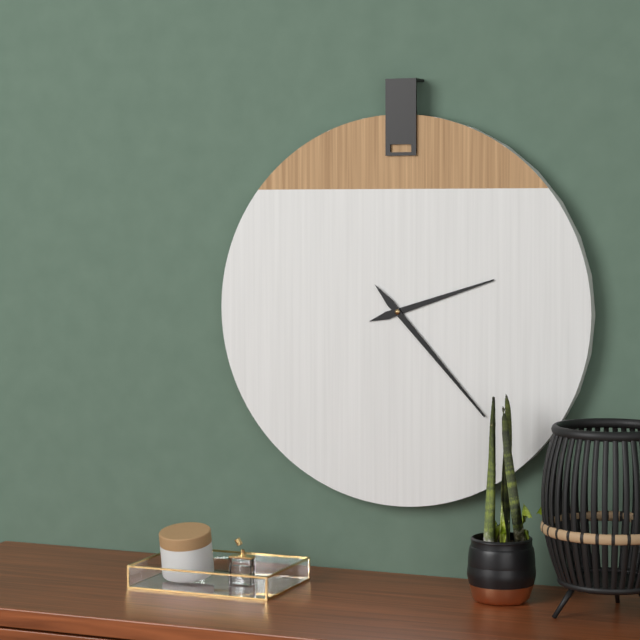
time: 2:23
